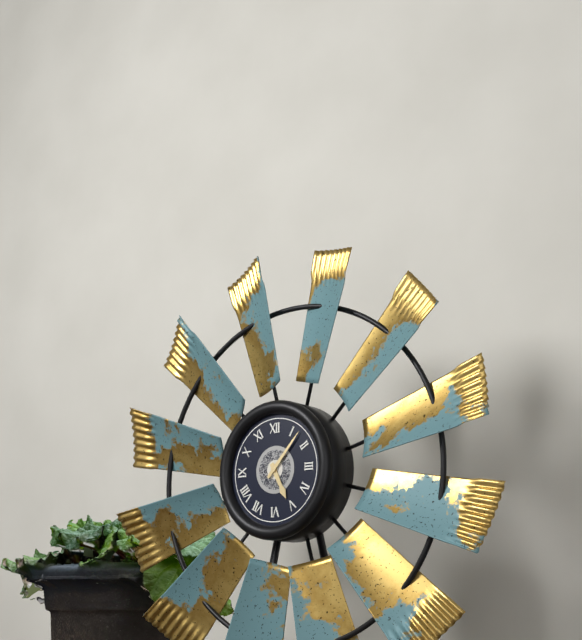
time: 5:07
